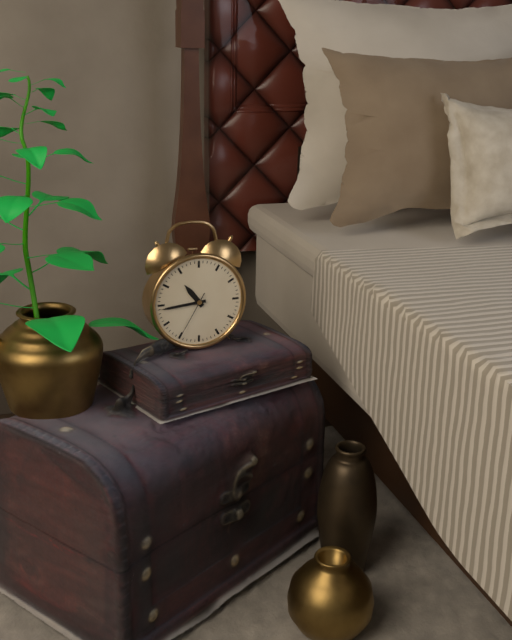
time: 10:44:35
